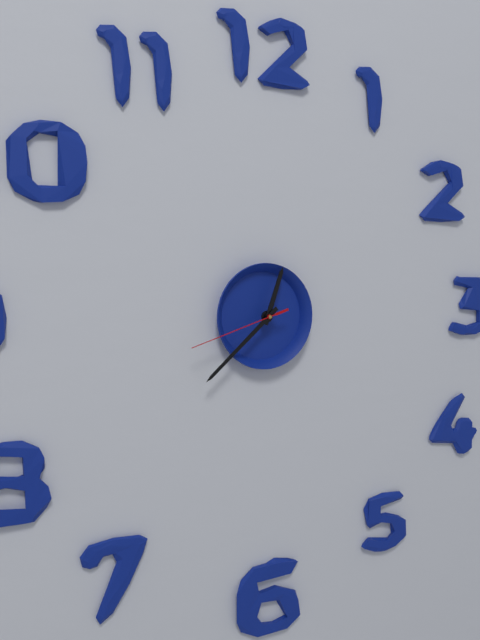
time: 12:38:42
